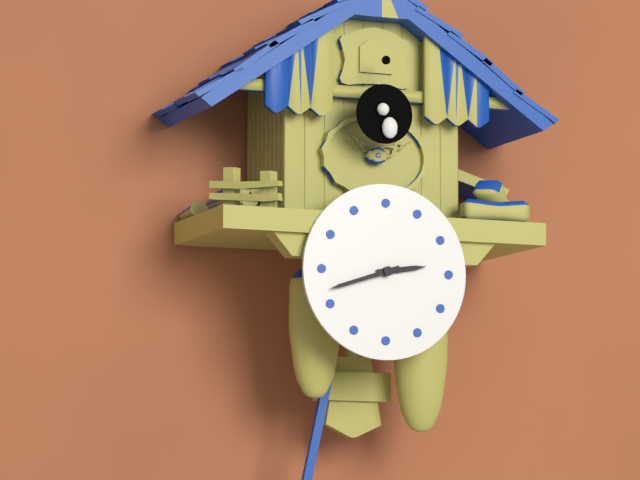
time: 2:42
